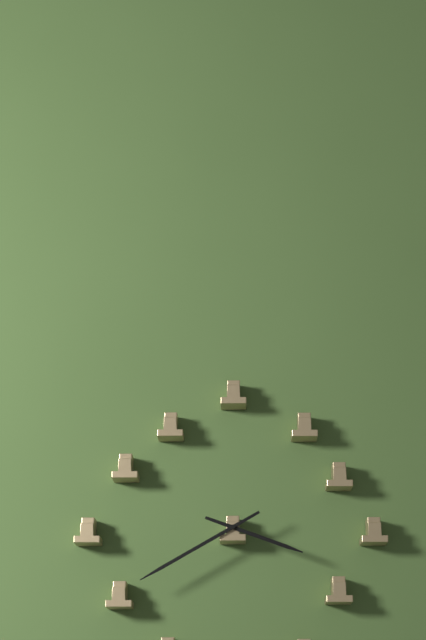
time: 3:40
